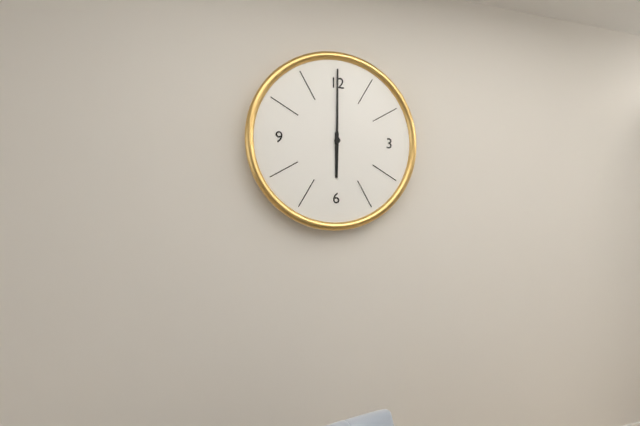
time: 6:00
